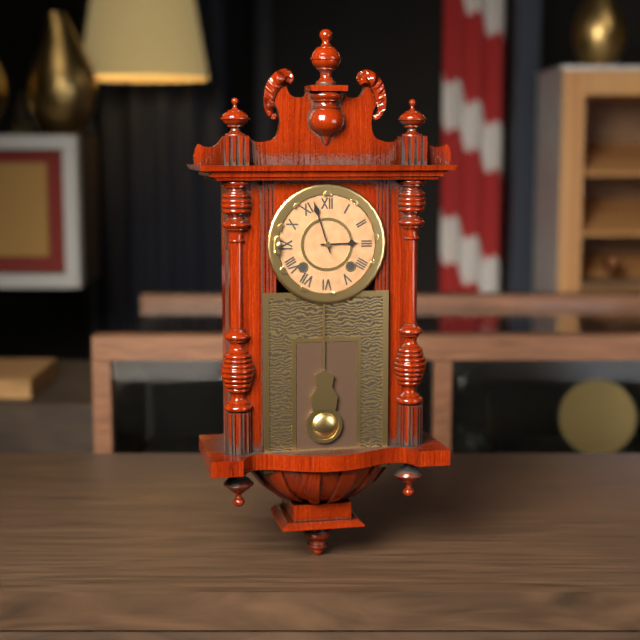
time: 2:57
